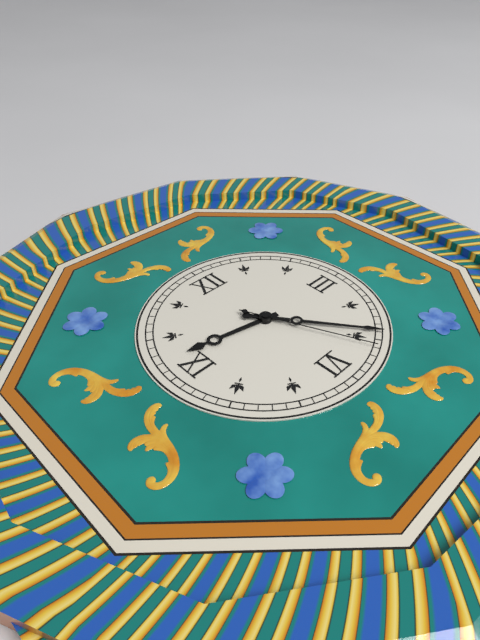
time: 9:24:26
